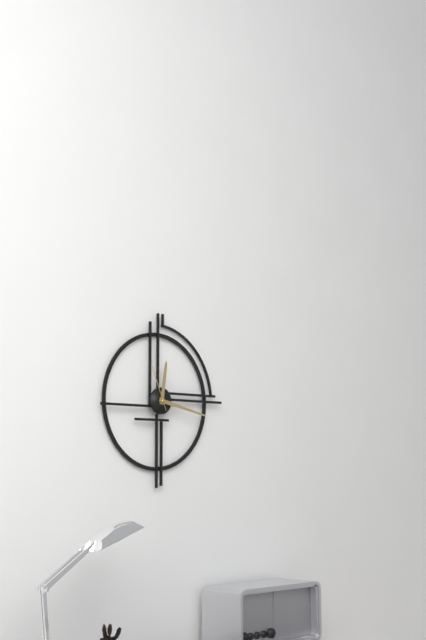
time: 12:17
